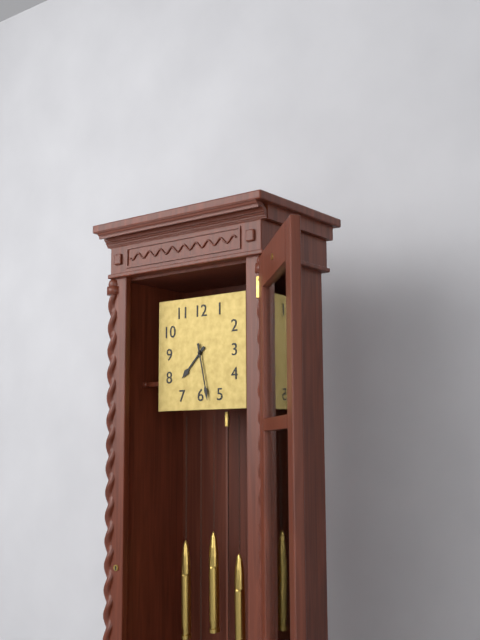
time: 7:28
